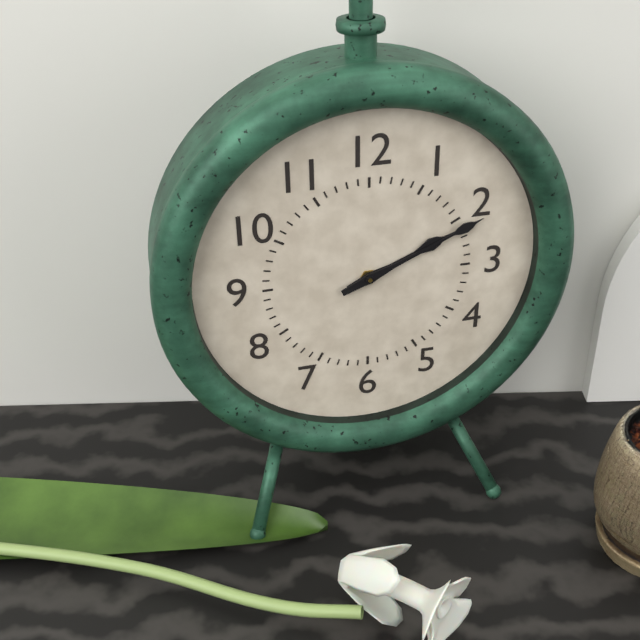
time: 2:11
